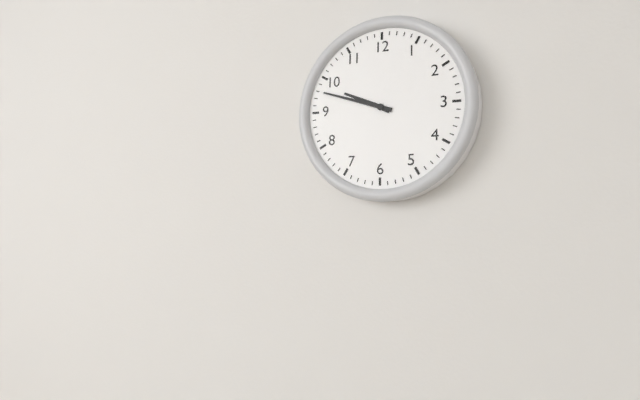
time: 9:48
